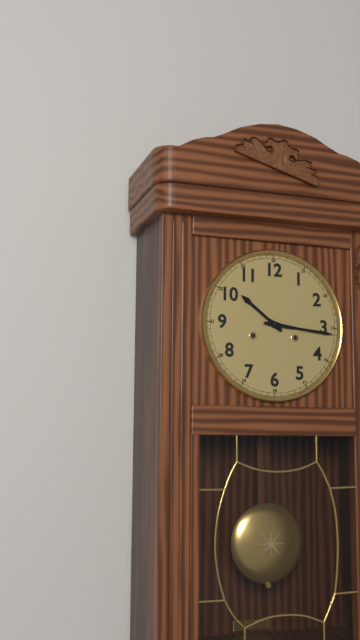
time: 10:16
